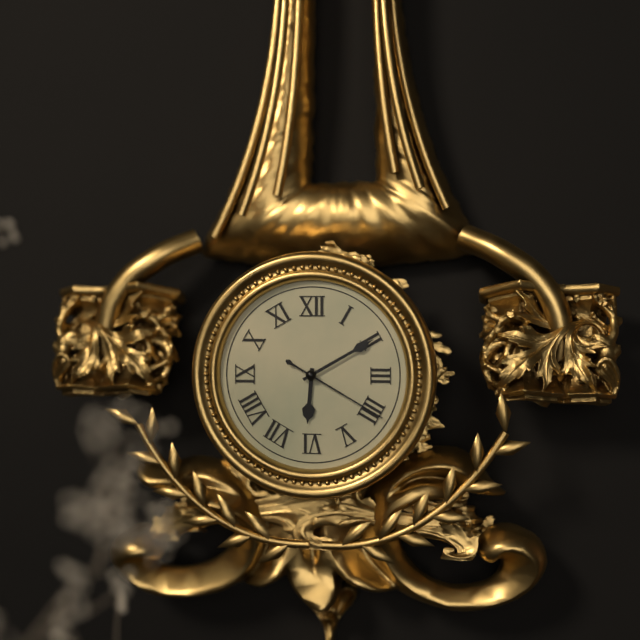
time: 6:10:20
